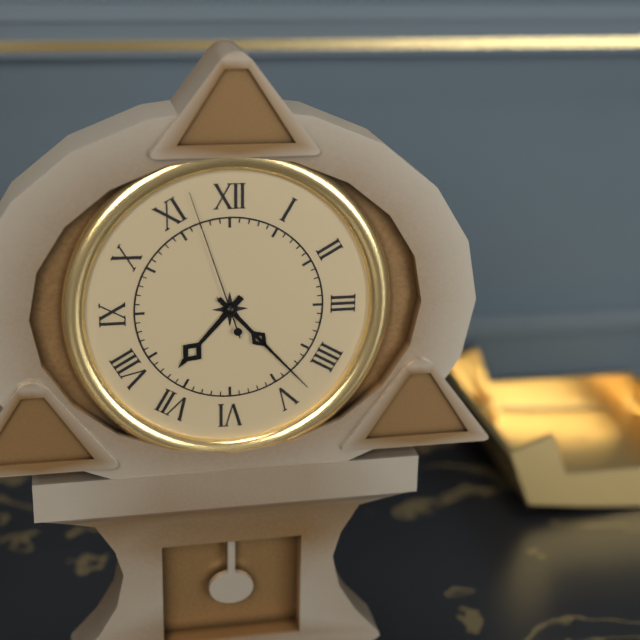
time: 7:23:57
